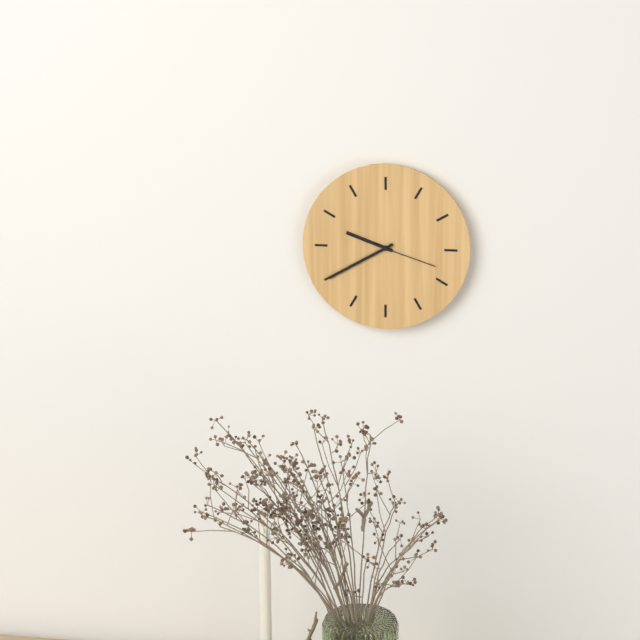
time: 9:40:18
